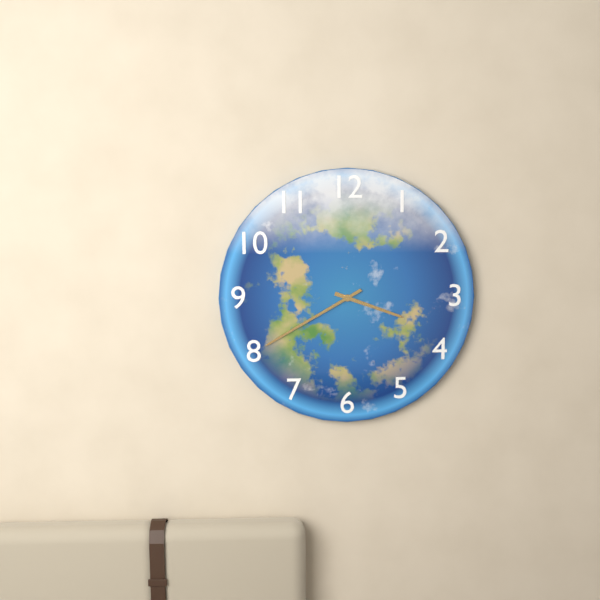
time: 3:40
